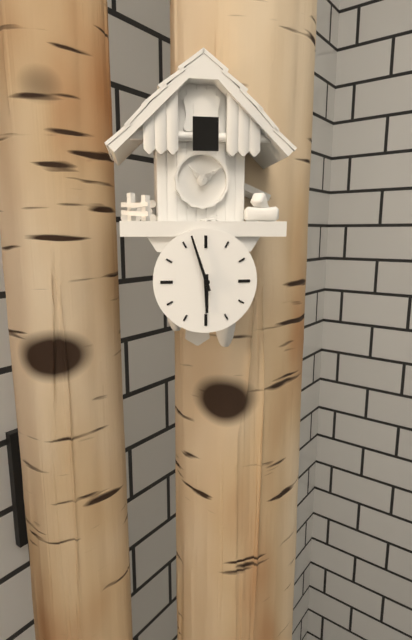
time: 5:57
